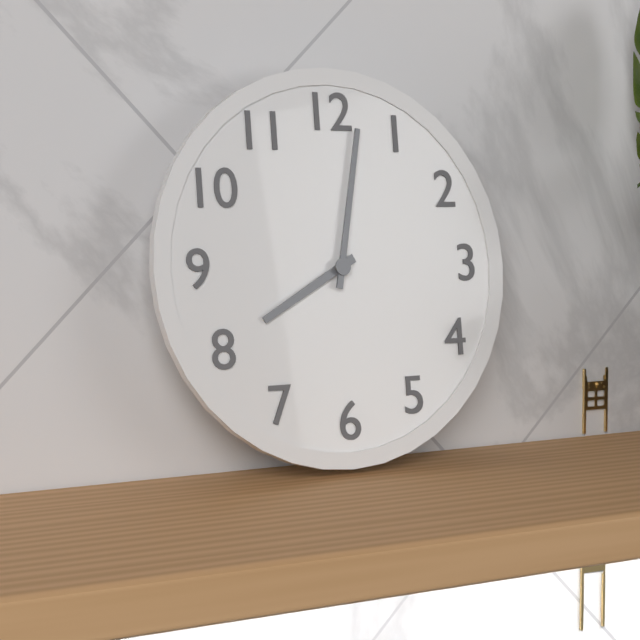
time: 8:02
